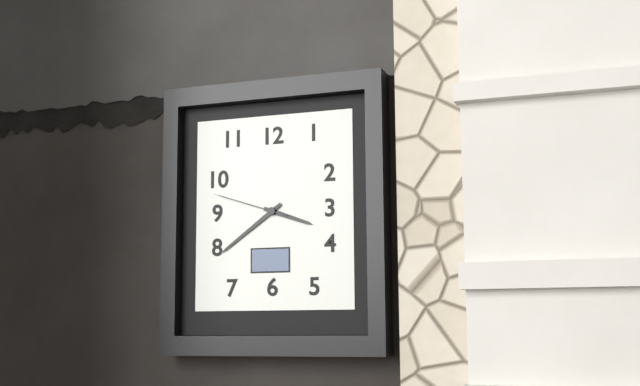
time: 3:39:48
